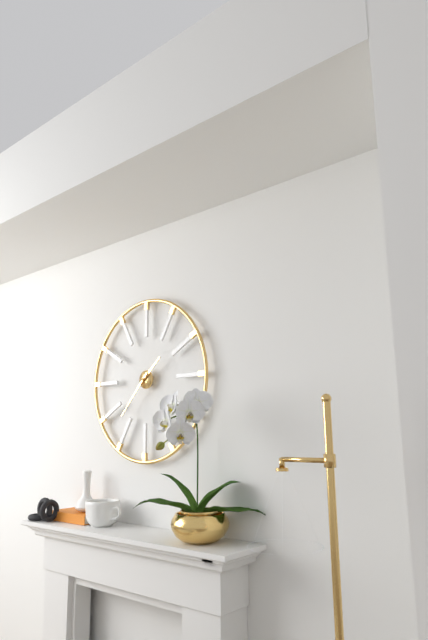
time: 1:37
